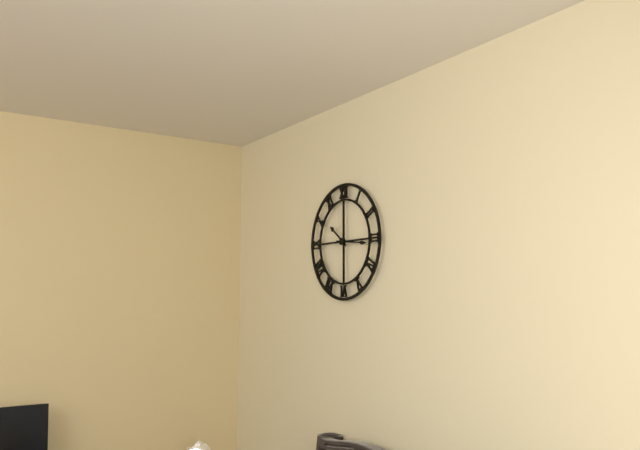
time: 10:16
